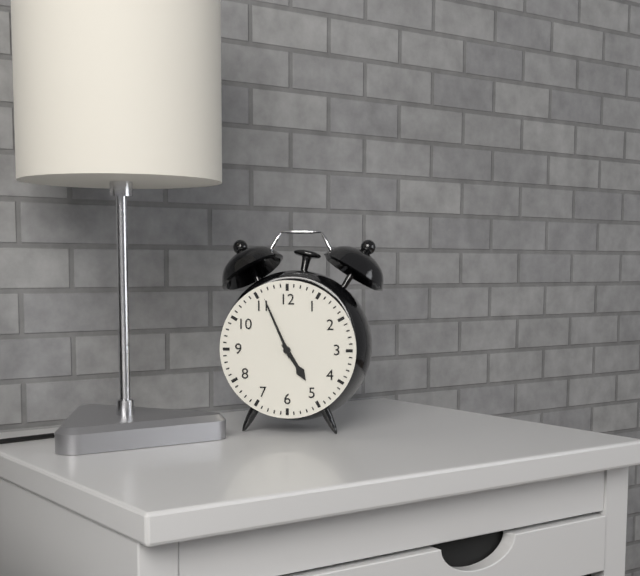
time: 4:56
